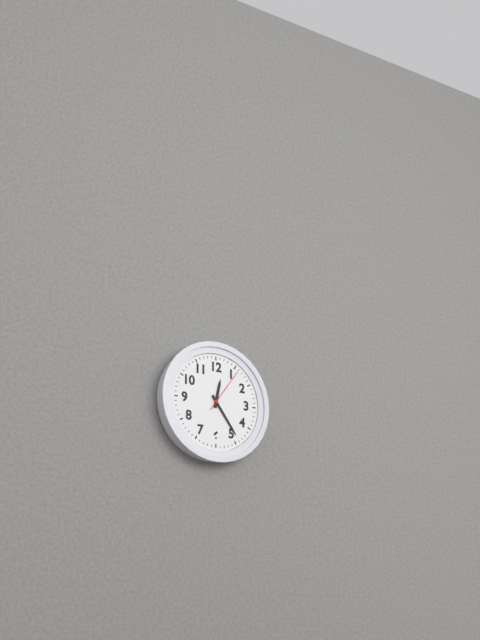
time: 12:24
